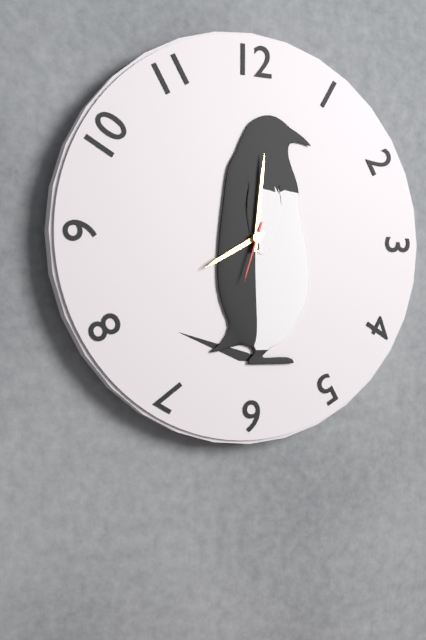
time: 8:01:33
